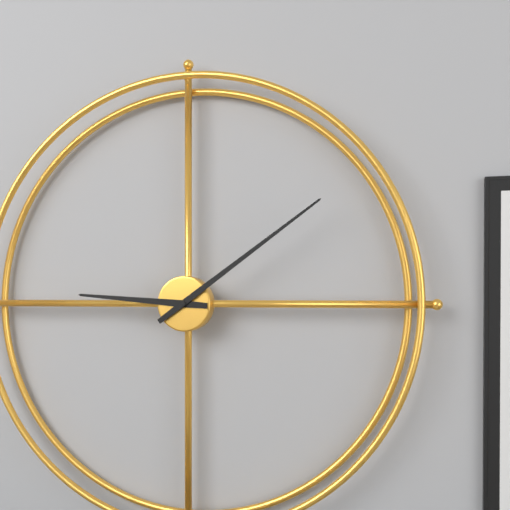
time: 9:09
